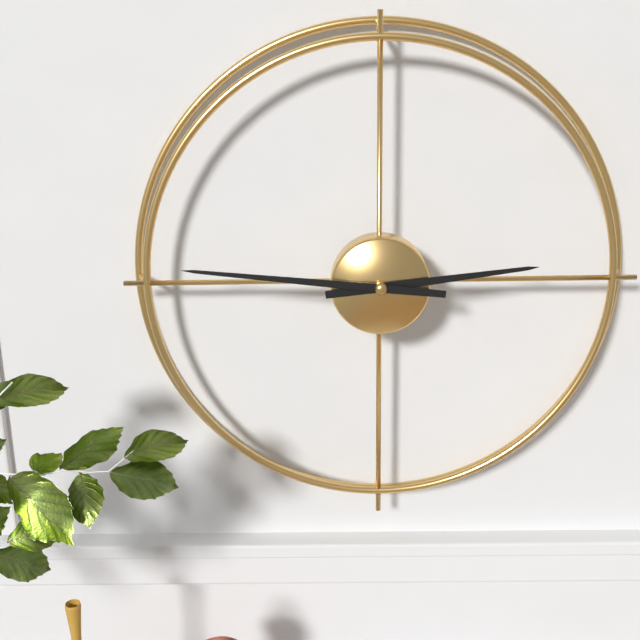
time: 2:46
